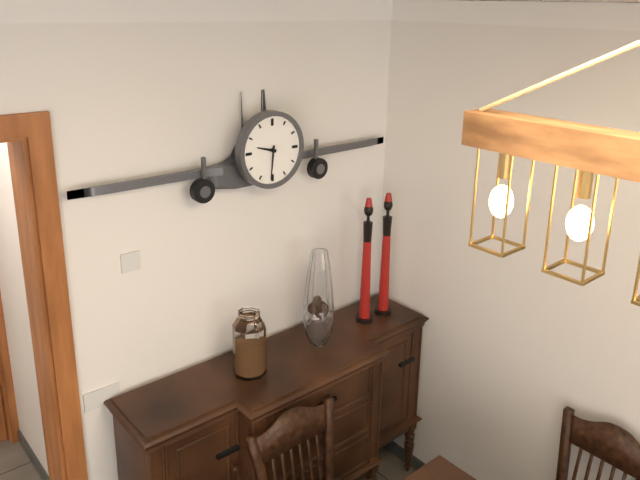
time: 9:31
